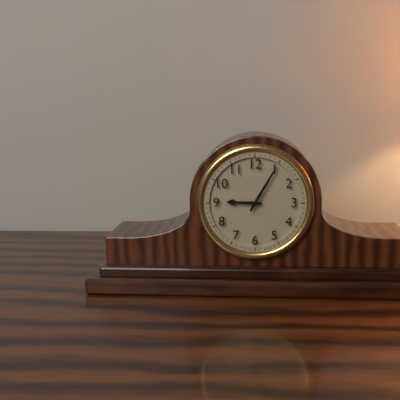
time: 9:05
